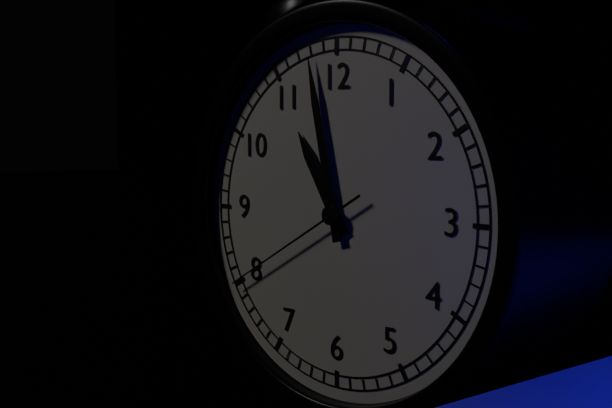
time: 10:58:40
